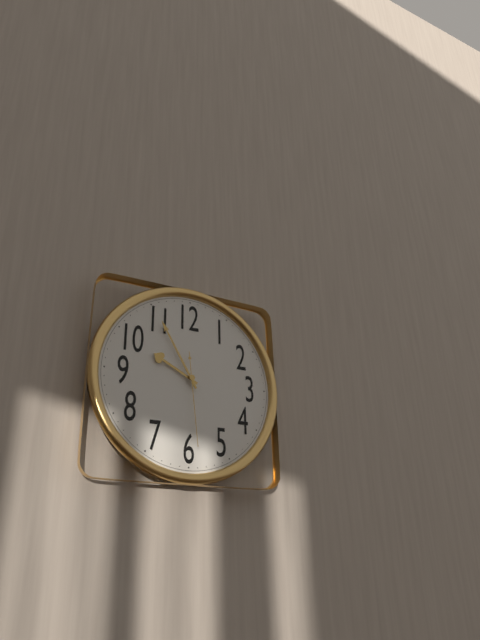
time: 9:55:29
